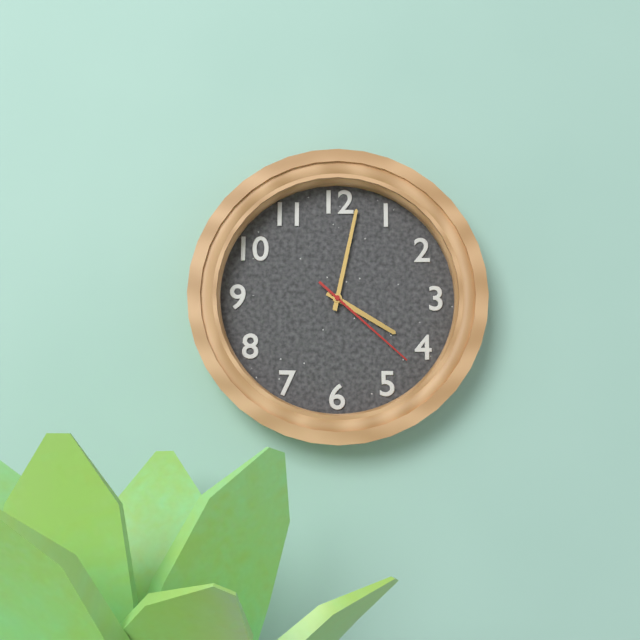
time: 4:02:22
